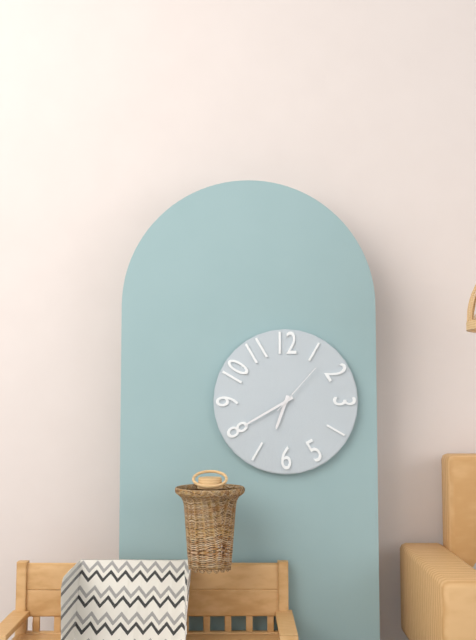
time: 6:40:07
